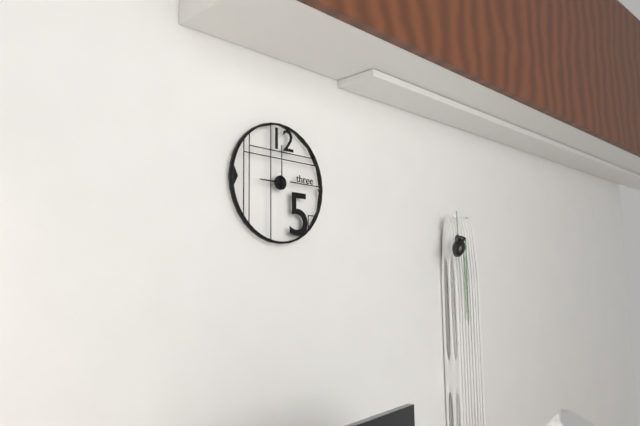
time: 9:00
